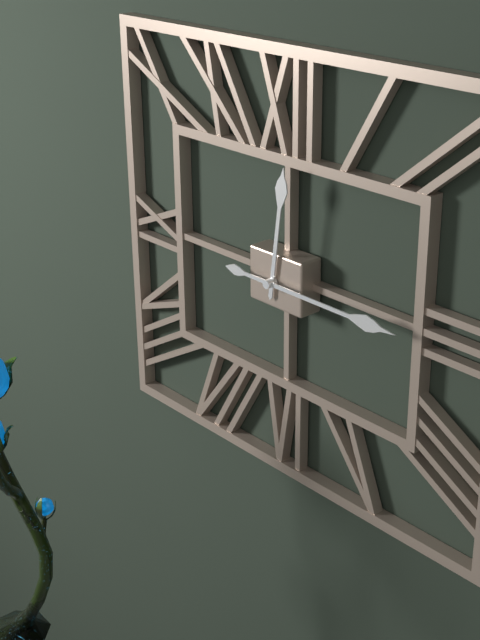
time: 12:15
